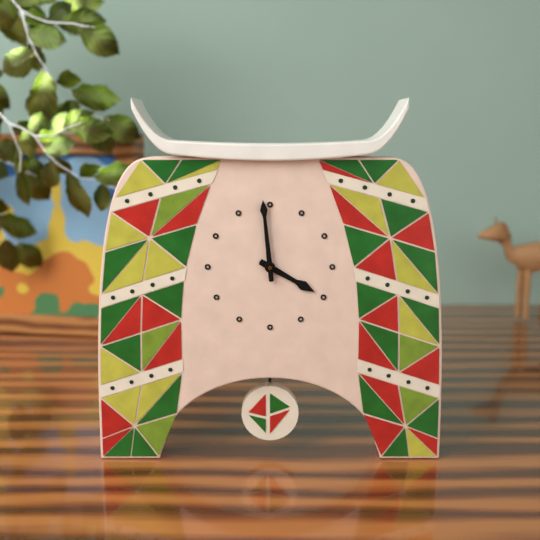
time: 3:59
